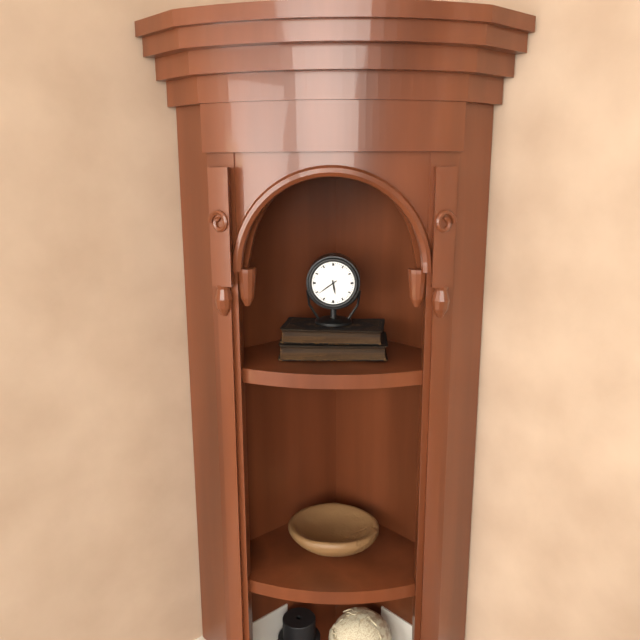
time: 5:39
